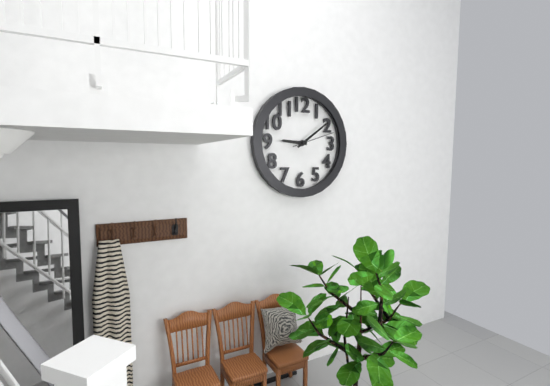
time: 9:09
